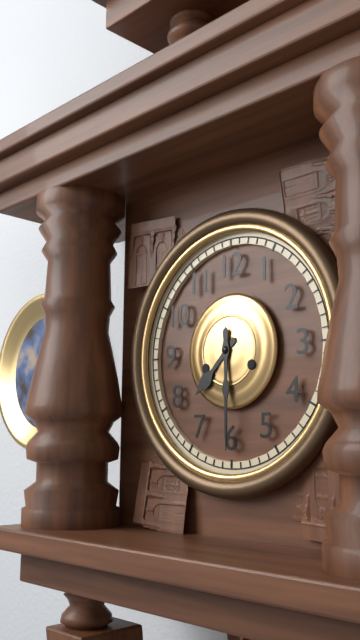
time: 7:30
